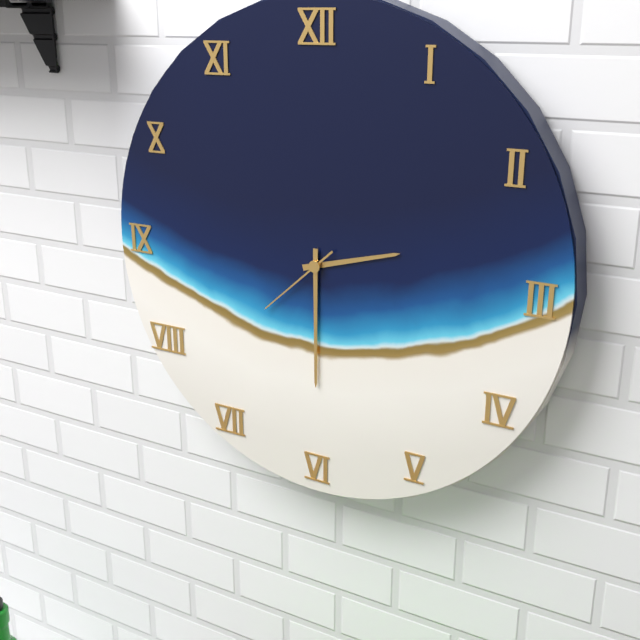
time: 2:30:38
